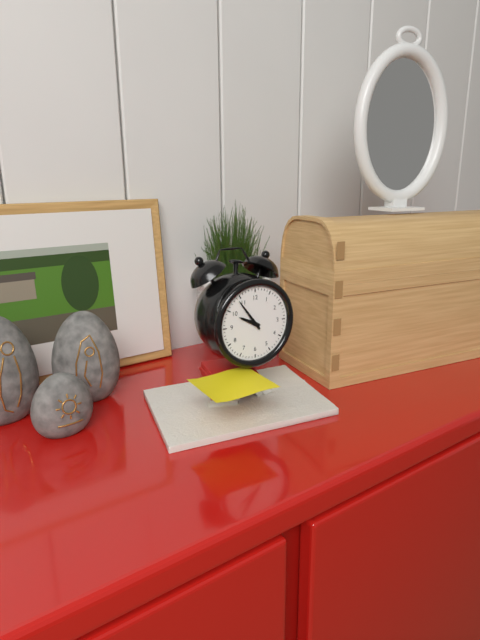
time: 9:54
